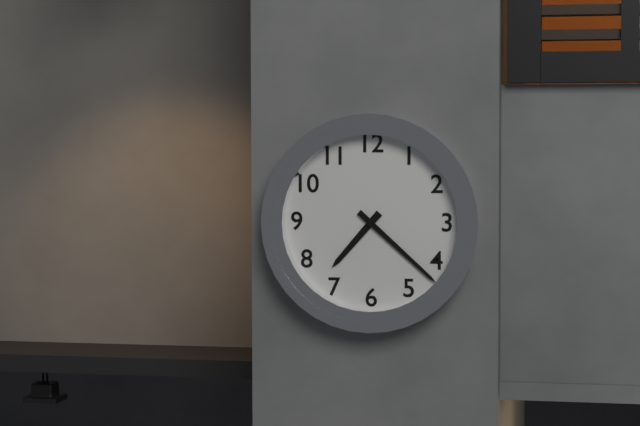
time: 7:22
